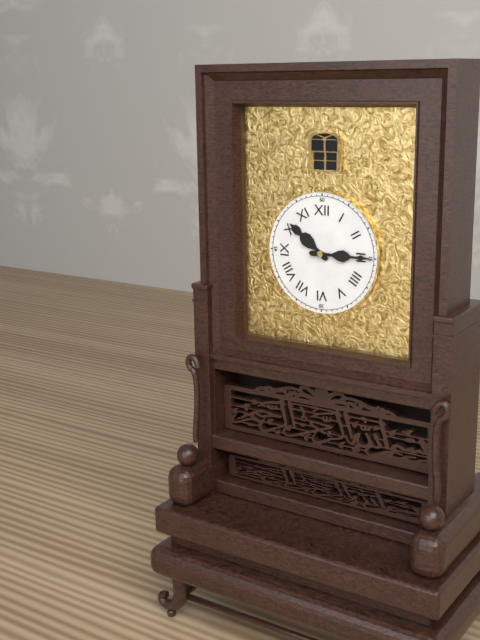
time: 10:15
